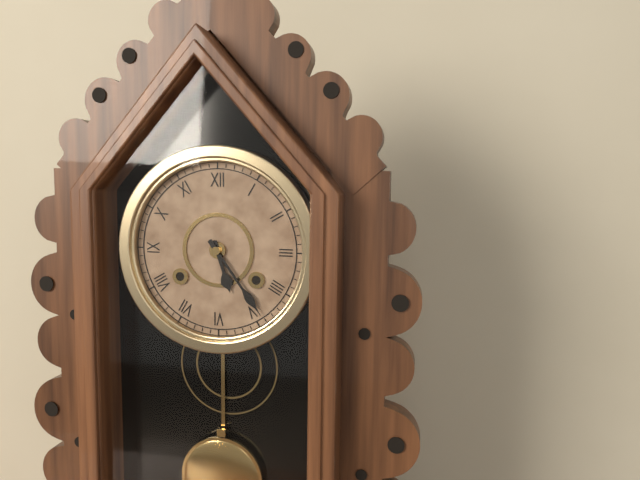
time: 5:24
